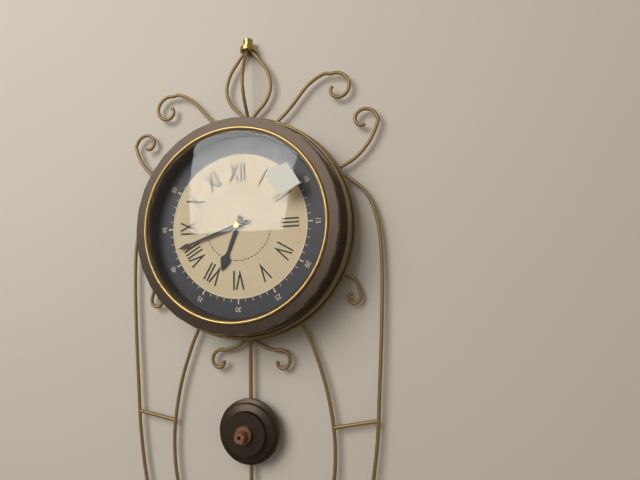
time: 6:42
